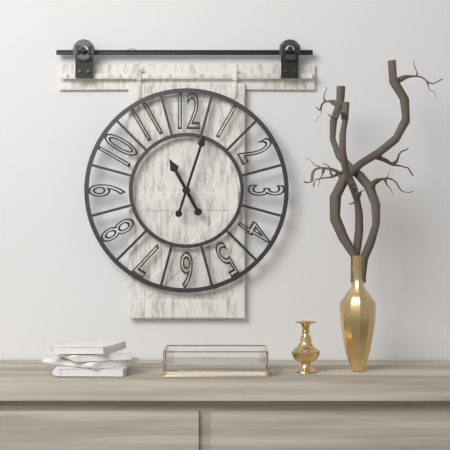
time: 11:03
